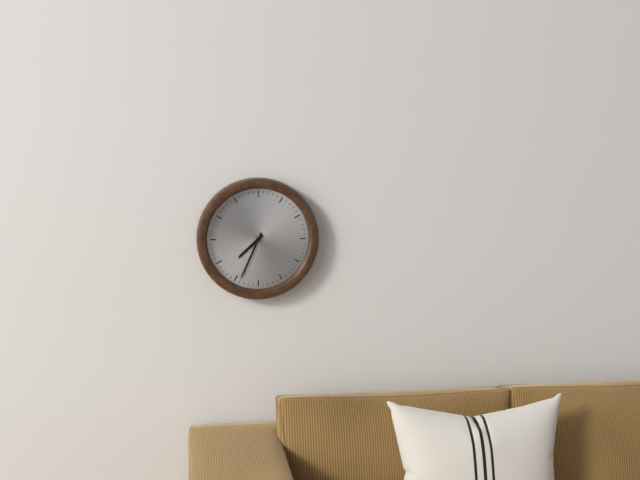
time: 7:34
